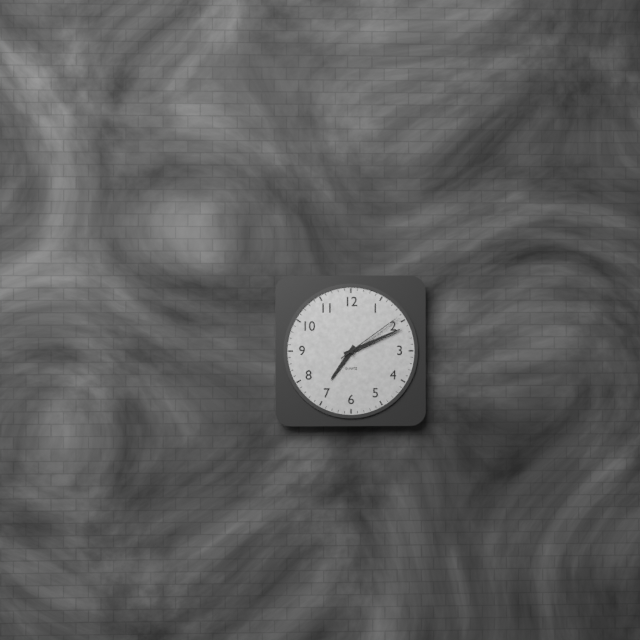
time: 7:11:09
